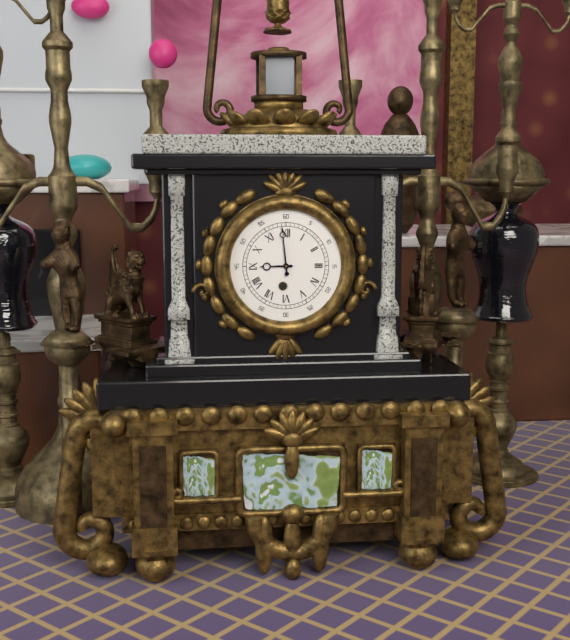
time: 8:59
